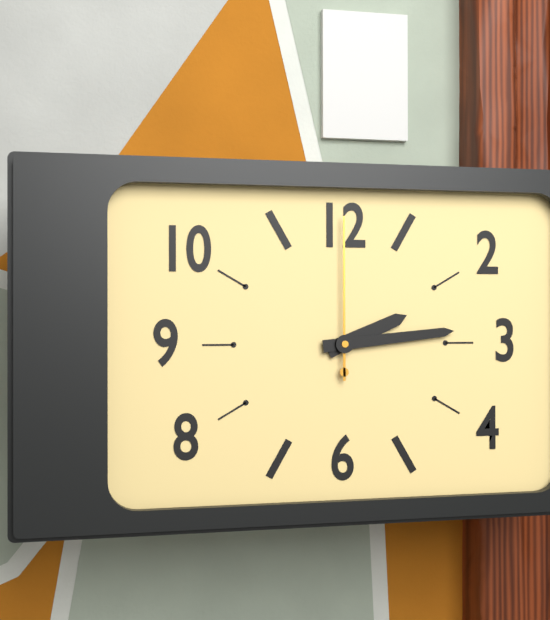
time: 2:14:00
